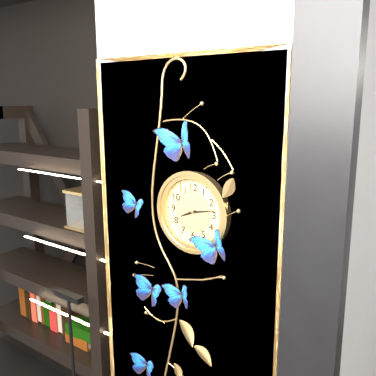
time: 8:13
